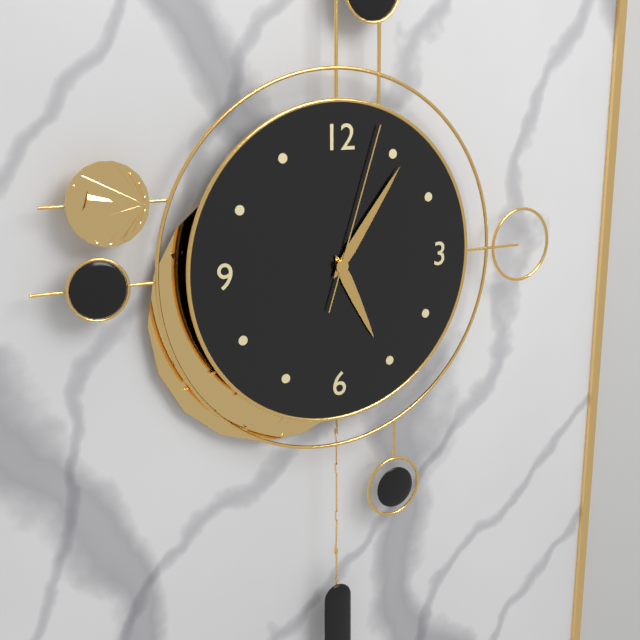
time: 5:06:03
